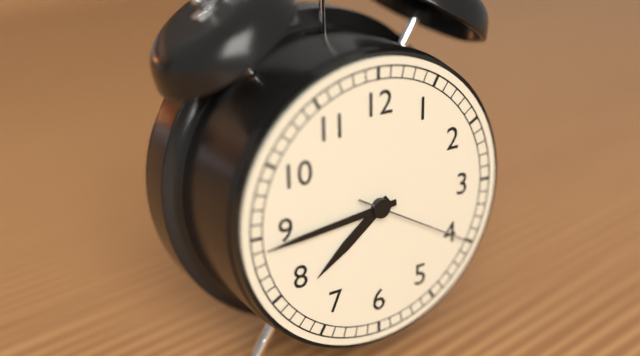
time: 7:44:20
